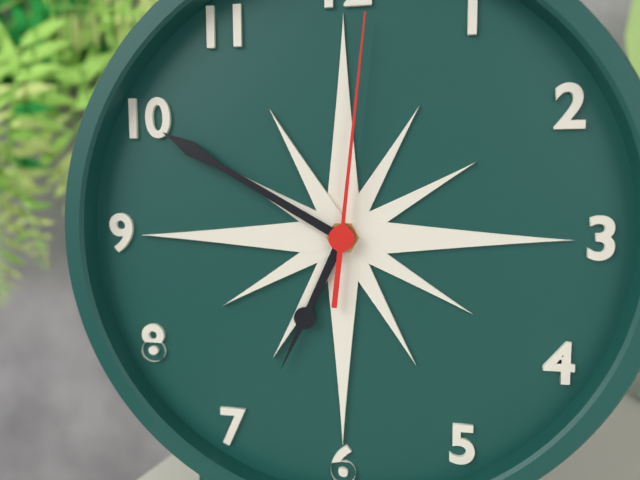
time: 6:50:01
